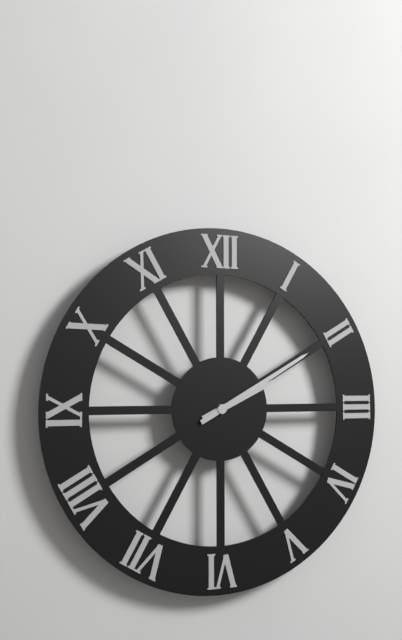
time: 2:10
